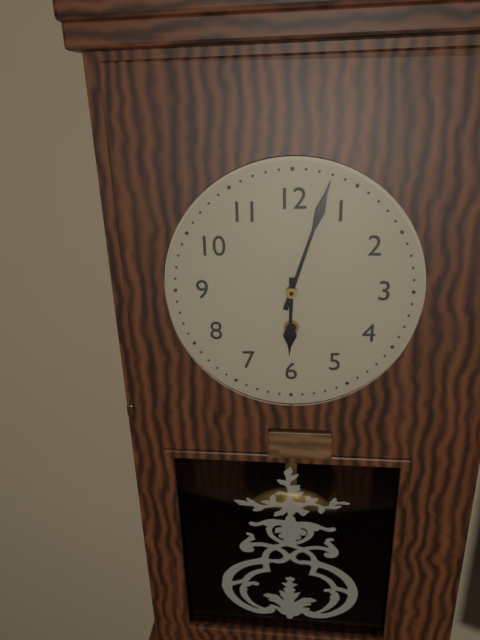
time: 6:03
